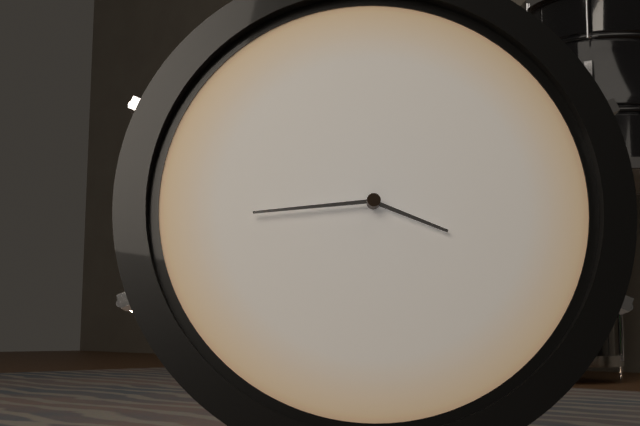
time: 3:44
